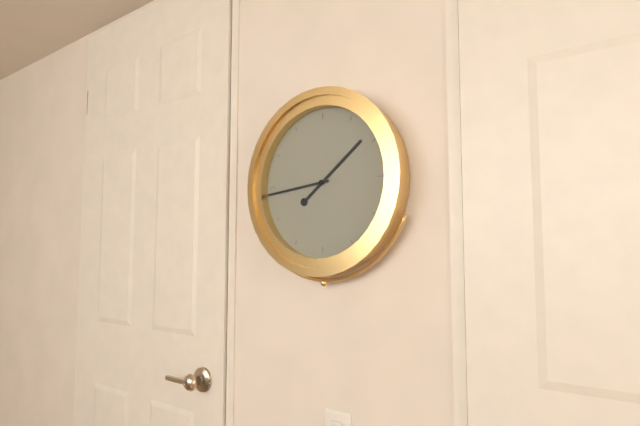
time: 1:44
